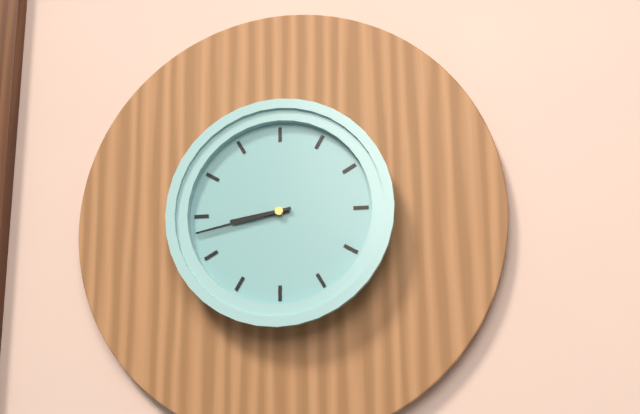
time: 8:43
